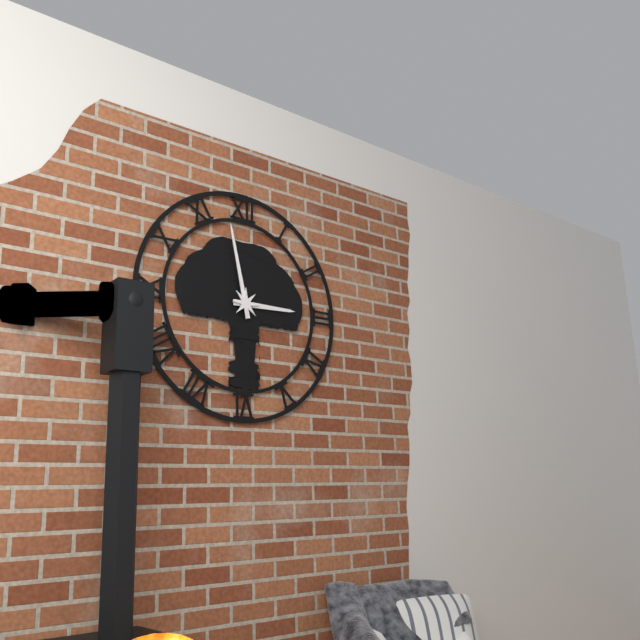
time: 2:58
